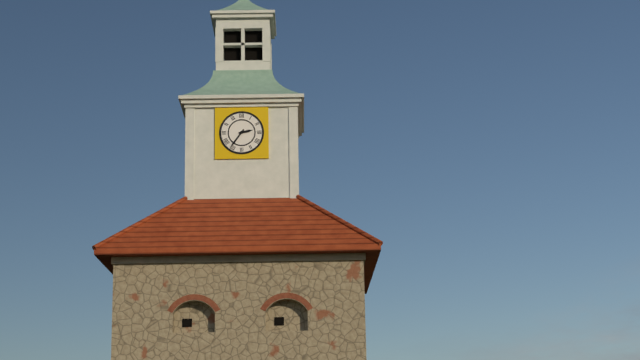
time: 2:36
